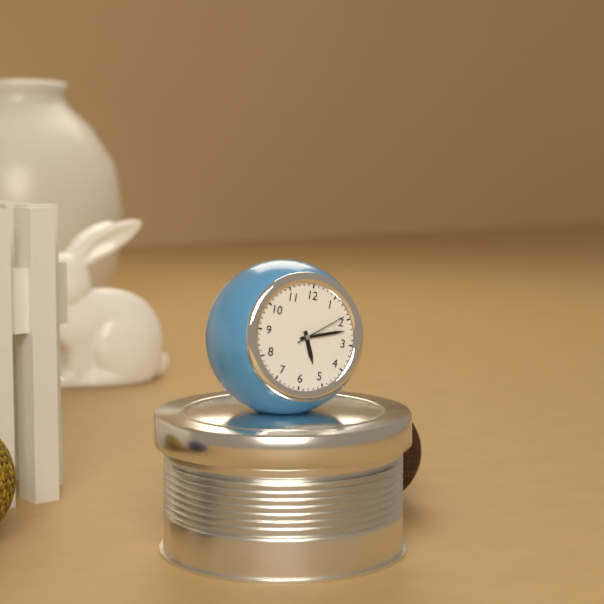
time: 5:12:09
